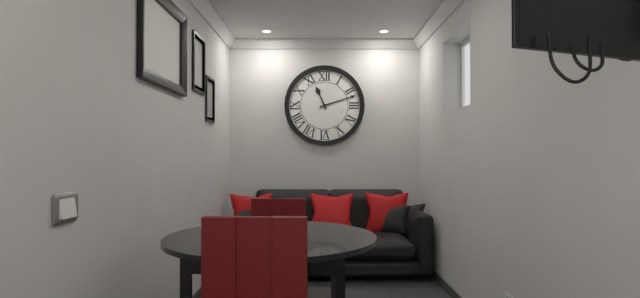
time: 11:12
